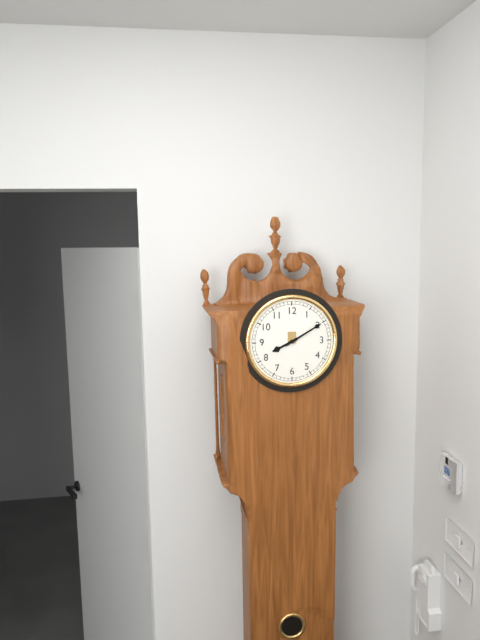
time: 8:10
